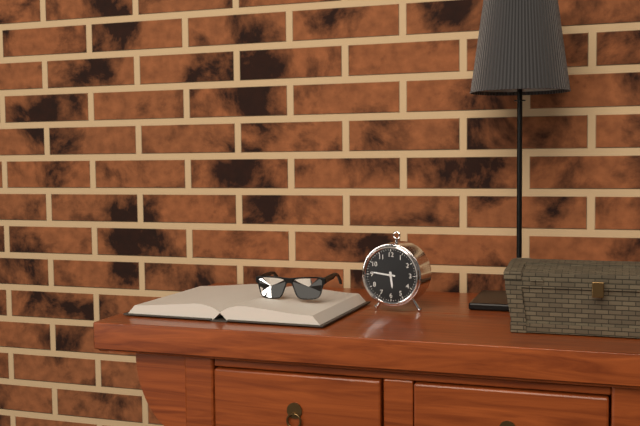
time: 5:46
